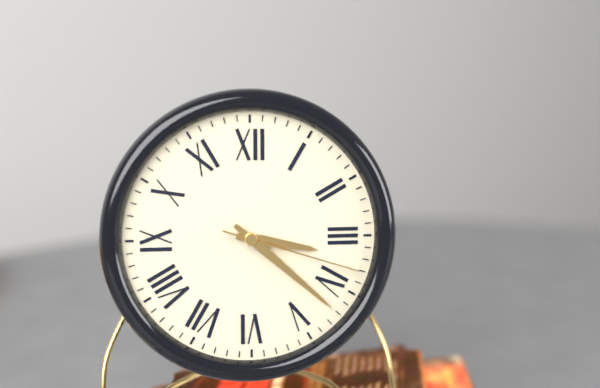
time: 3:22:18
